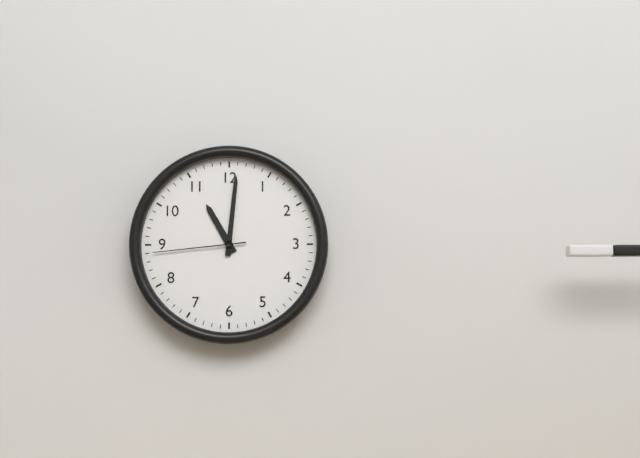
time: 11:01:44
